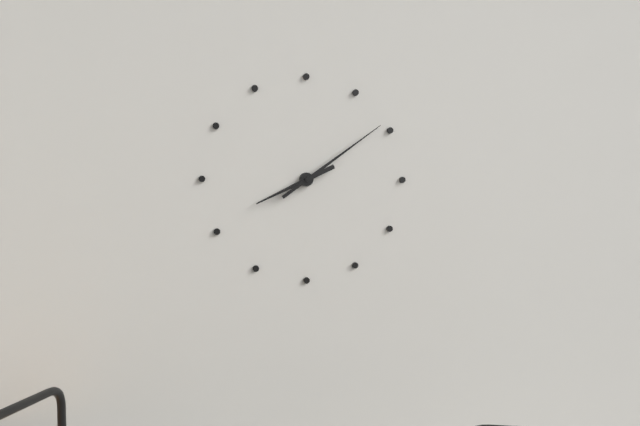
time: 8:09
